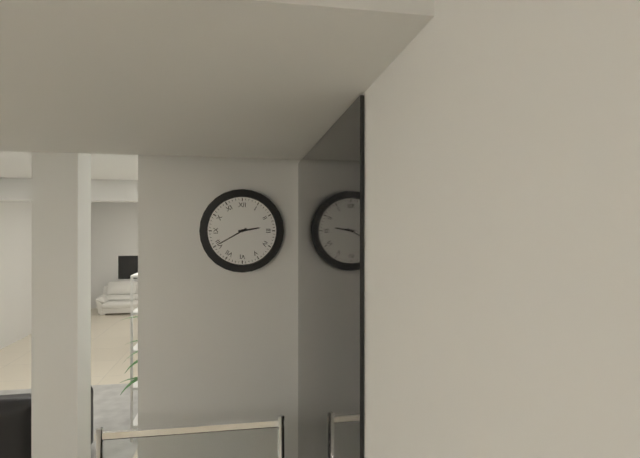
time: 2:40
